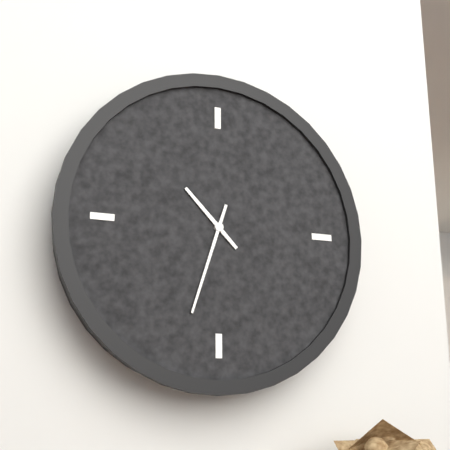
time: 10:33
